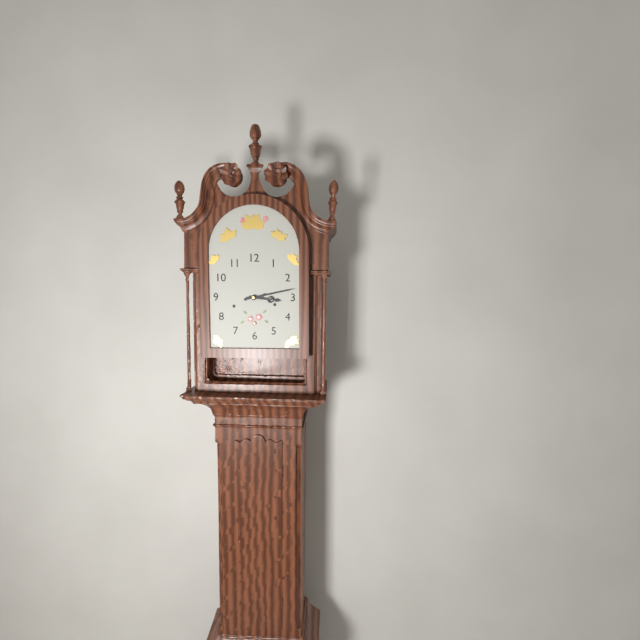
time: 3:13
